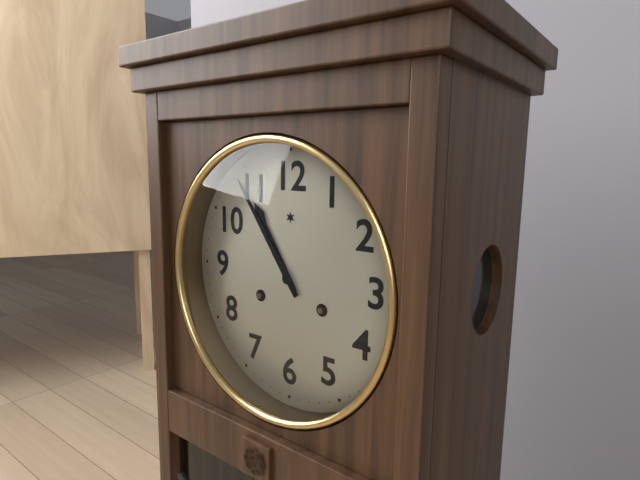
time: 10:54
